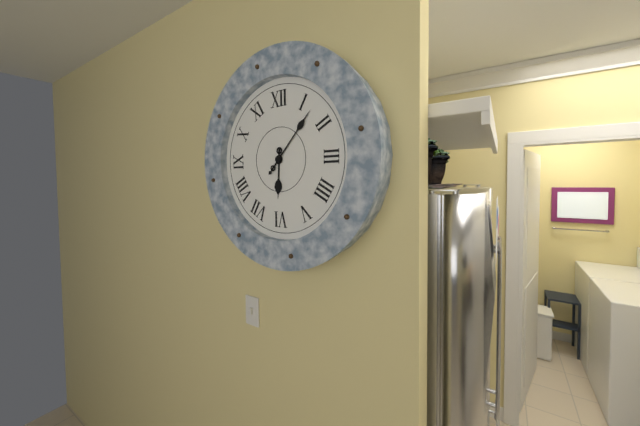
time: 6:07
